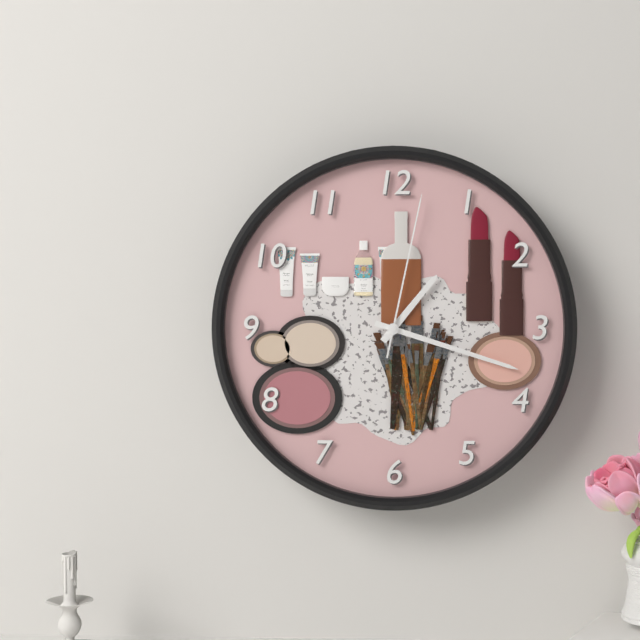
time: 1:18:02
